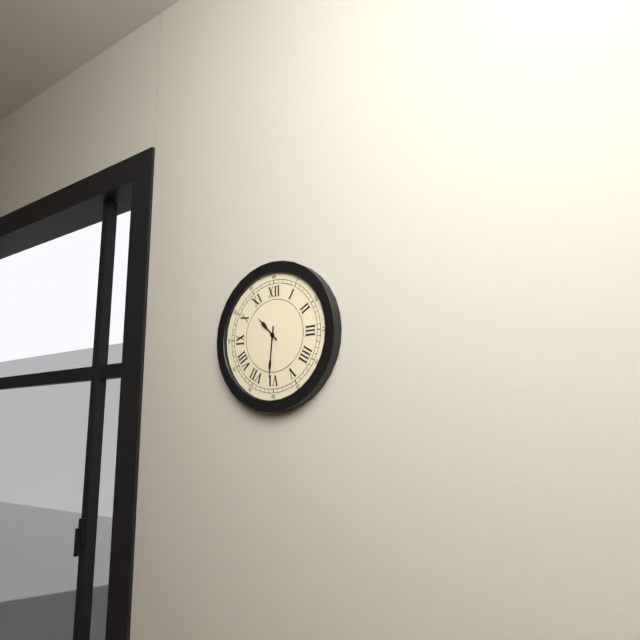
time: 10:31
